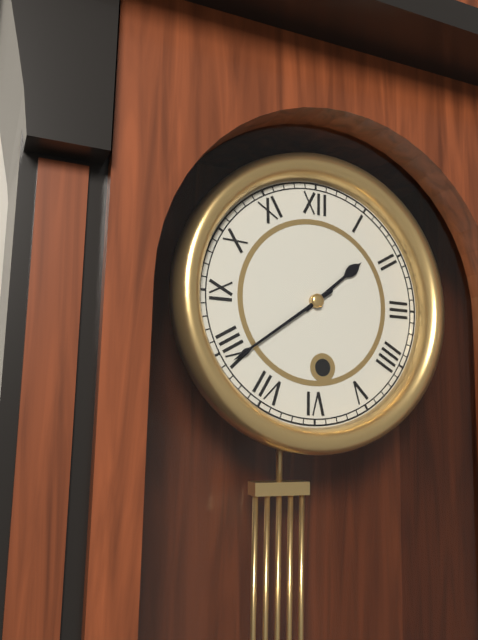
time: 1:39
